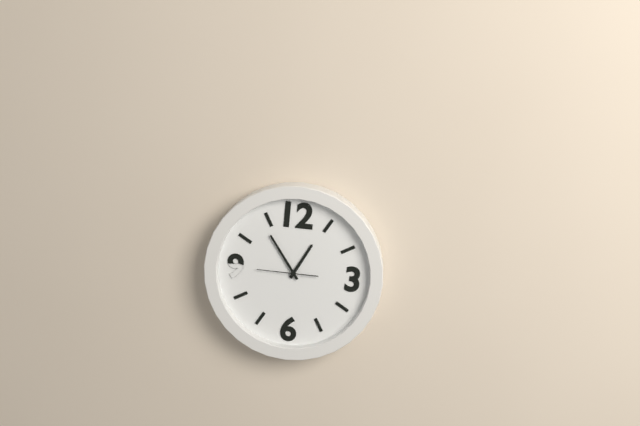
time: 12:54
